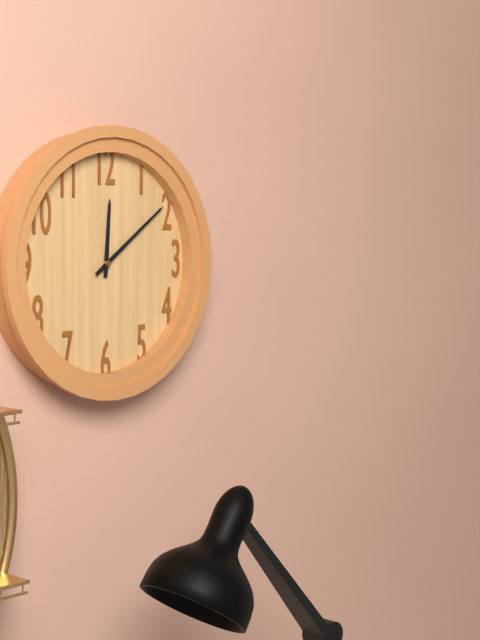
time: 12:09
